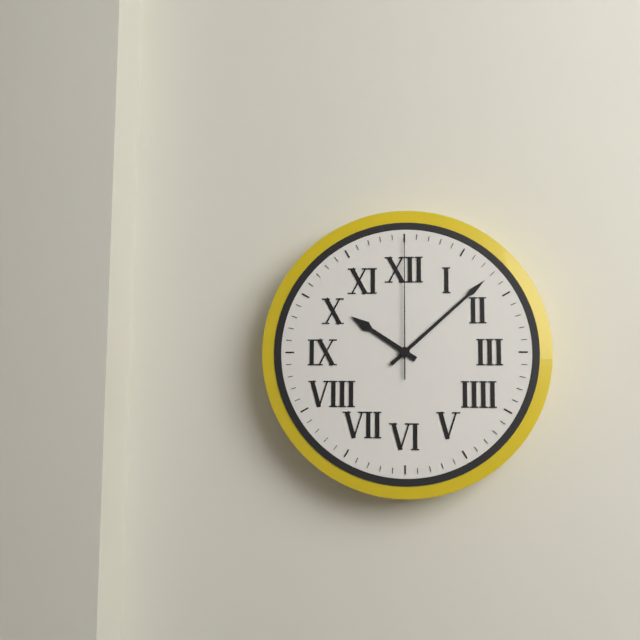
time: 10:08:00
